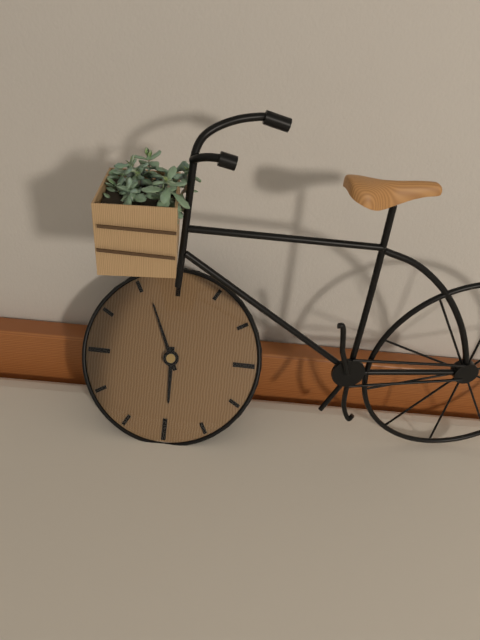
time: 5:56
